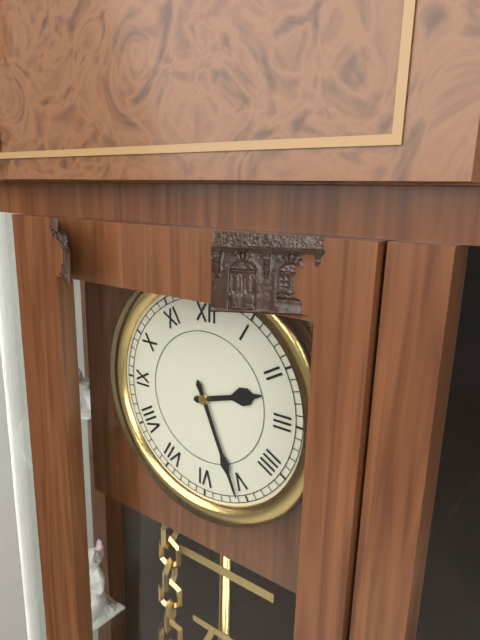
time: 2:26
